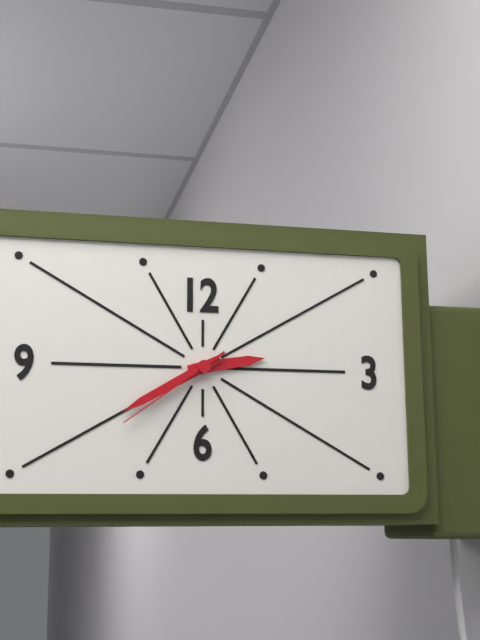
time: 2:40:39
